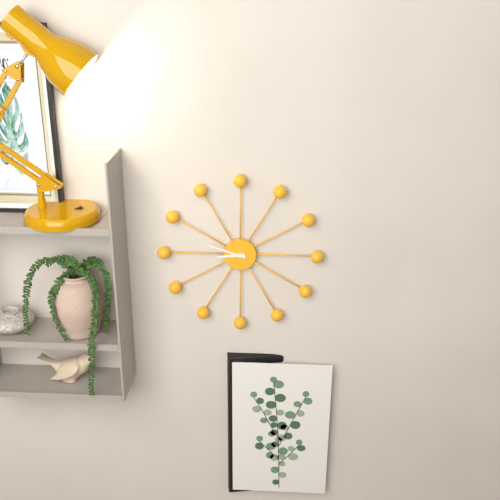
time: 8:48
